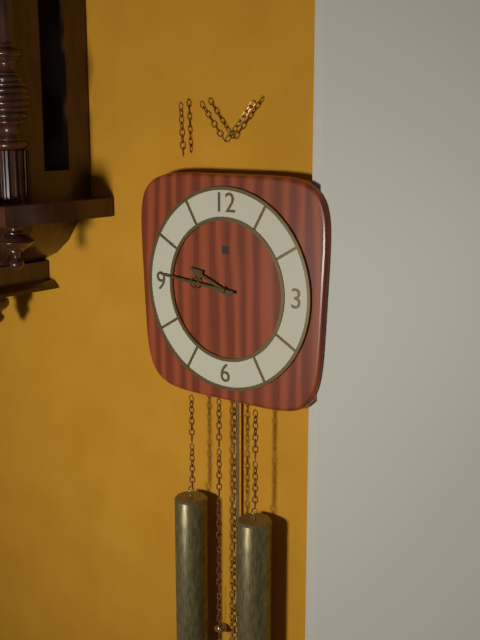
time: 9:46
